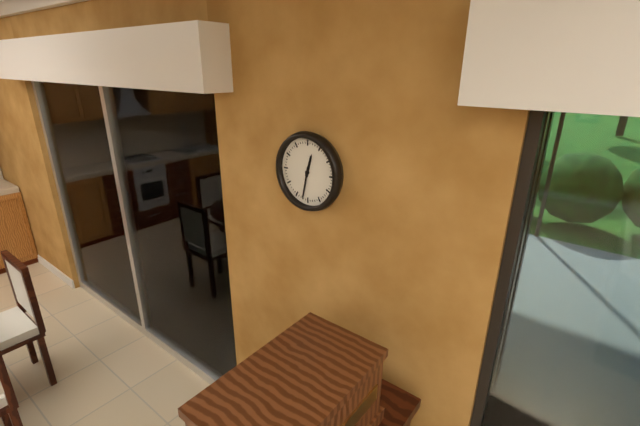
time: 12:32
